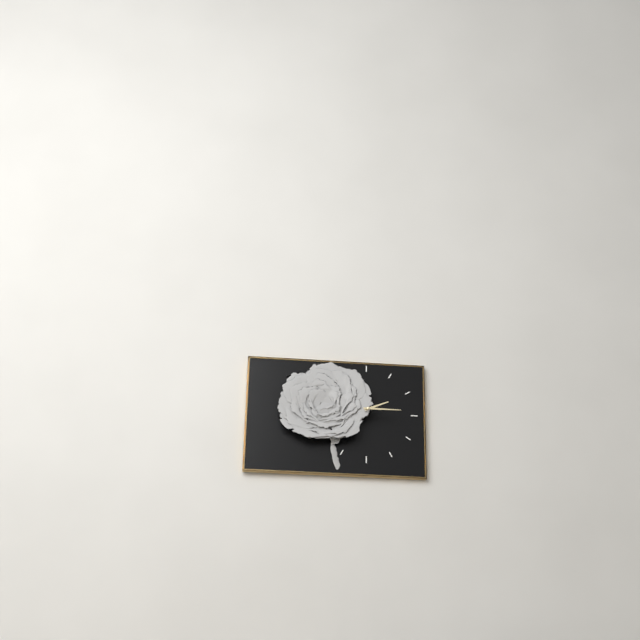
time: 2:15
